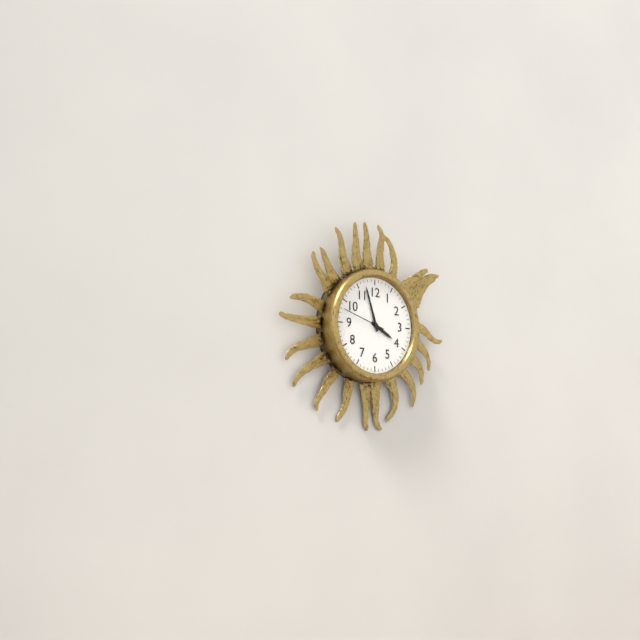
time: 3:57
